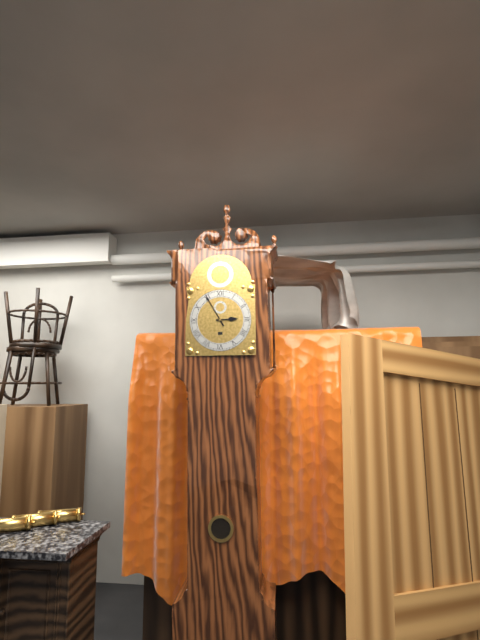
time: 2:55
